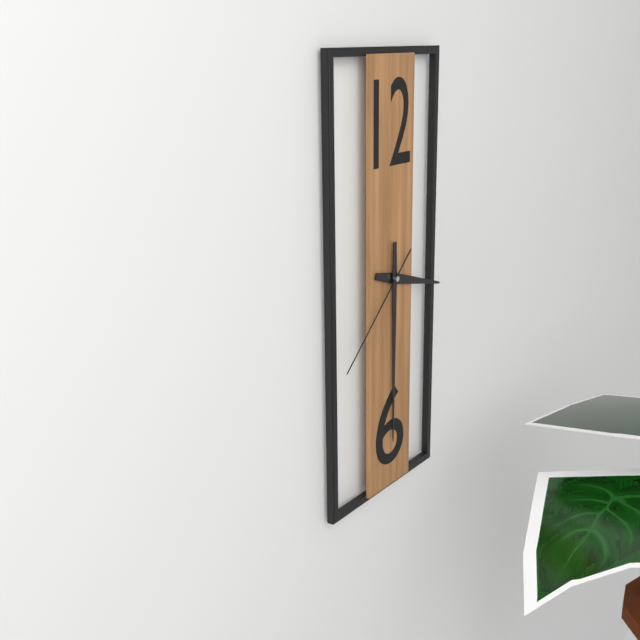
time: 3:30:38
